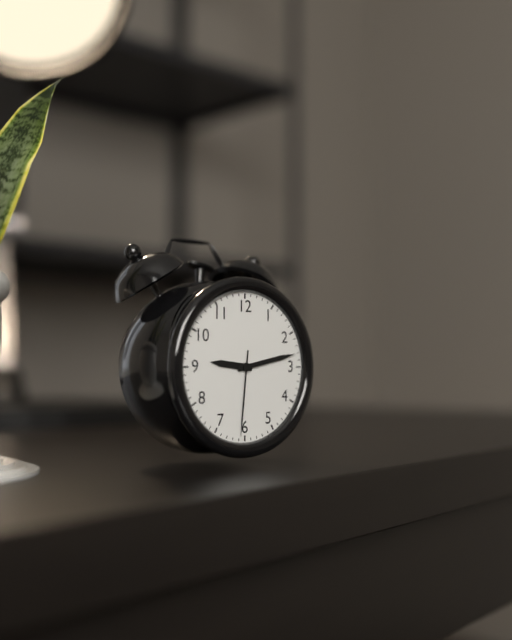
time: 9:13:31
